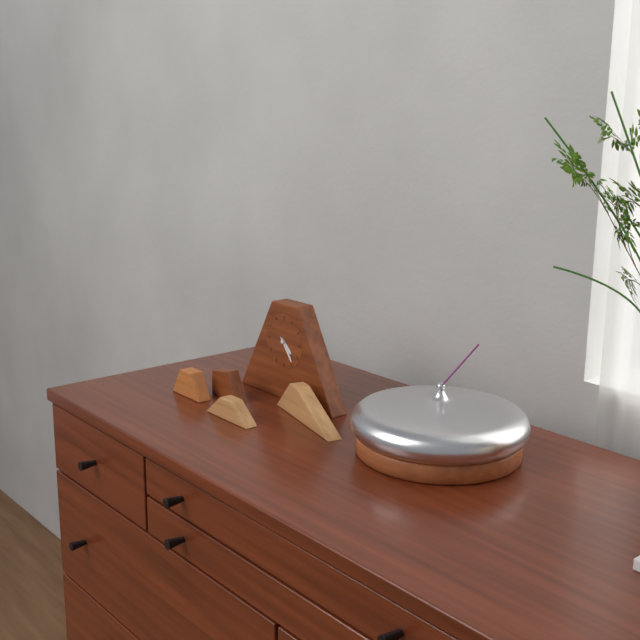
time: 4:24
